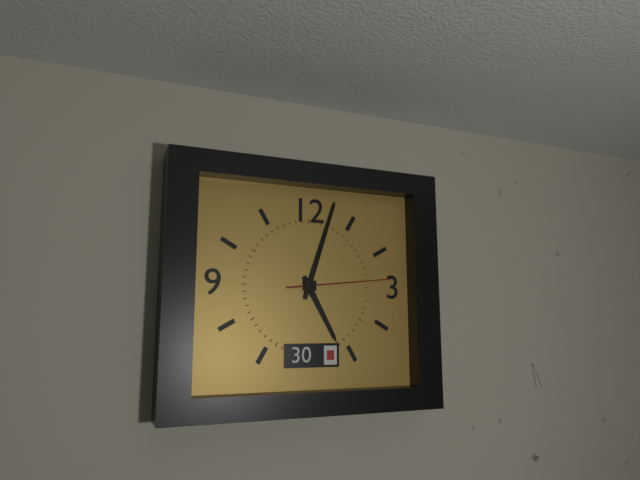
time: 5:03:14
